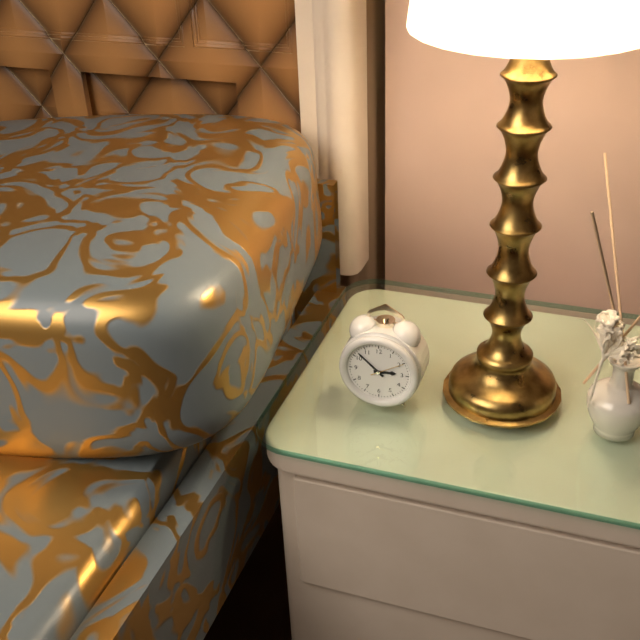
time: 2:52
